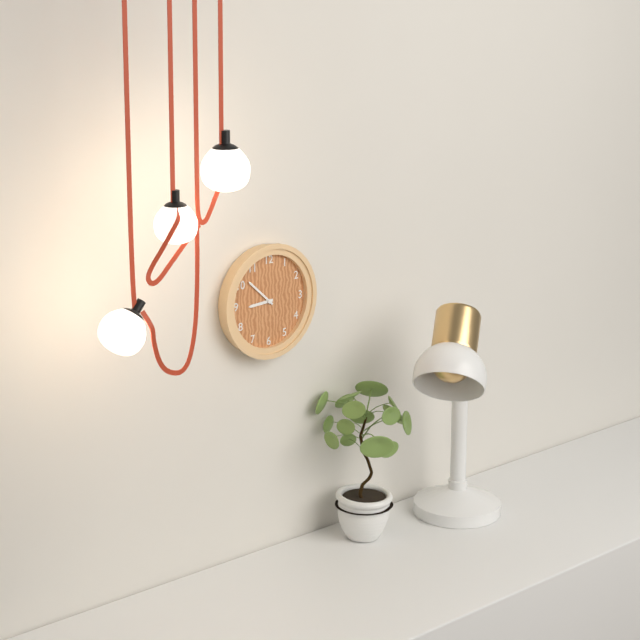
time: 8:52
